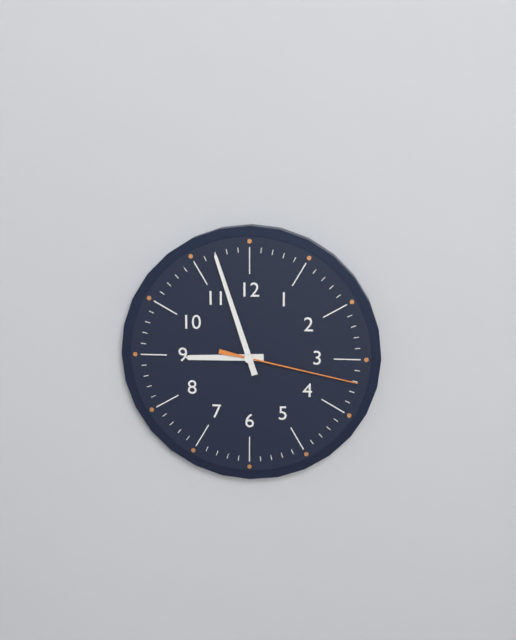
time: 8:57:17
